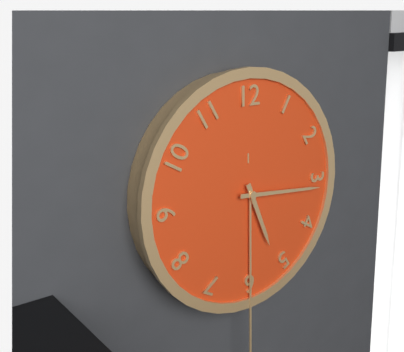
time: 5:16
